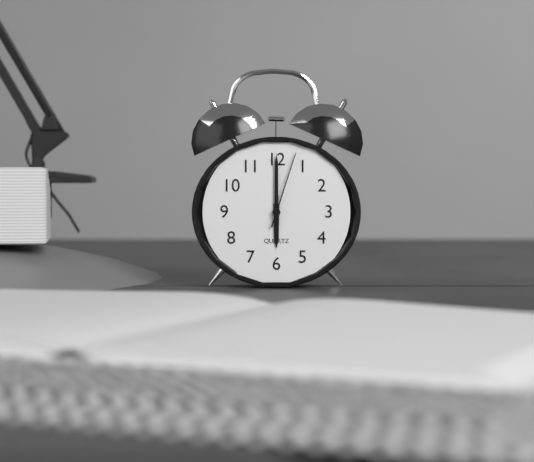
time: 6:00:03
